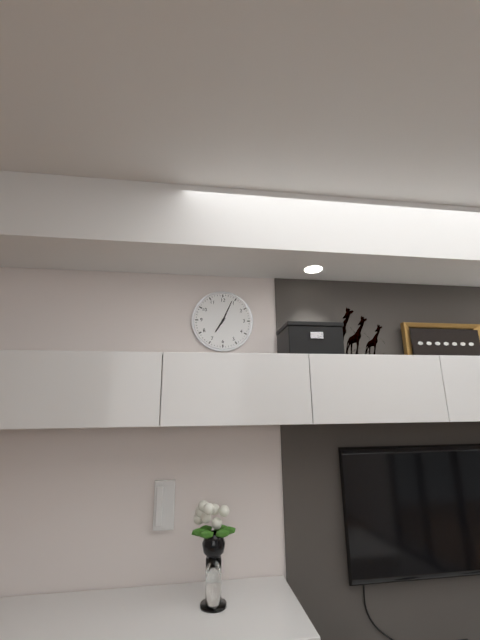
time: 7:04
